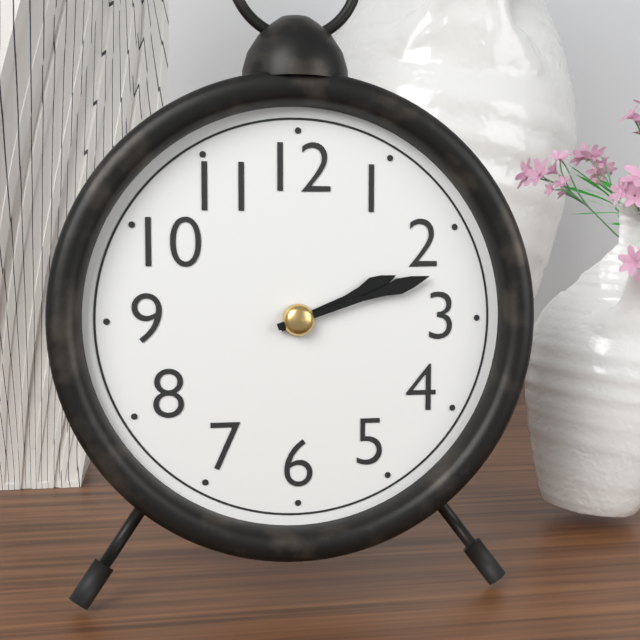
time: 2:12
